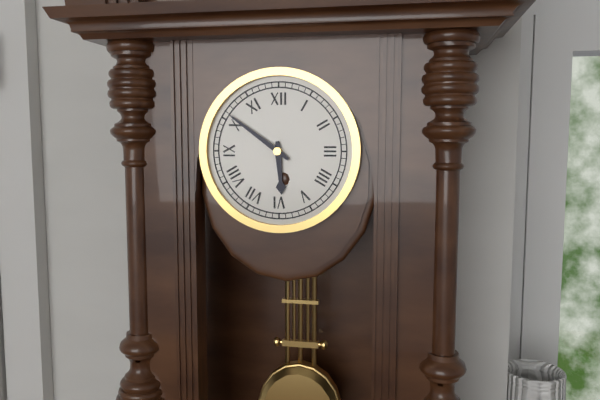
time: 5:51
